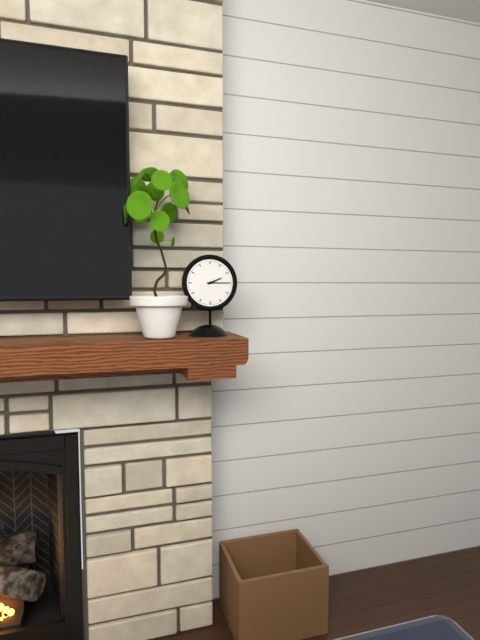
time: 2:15
